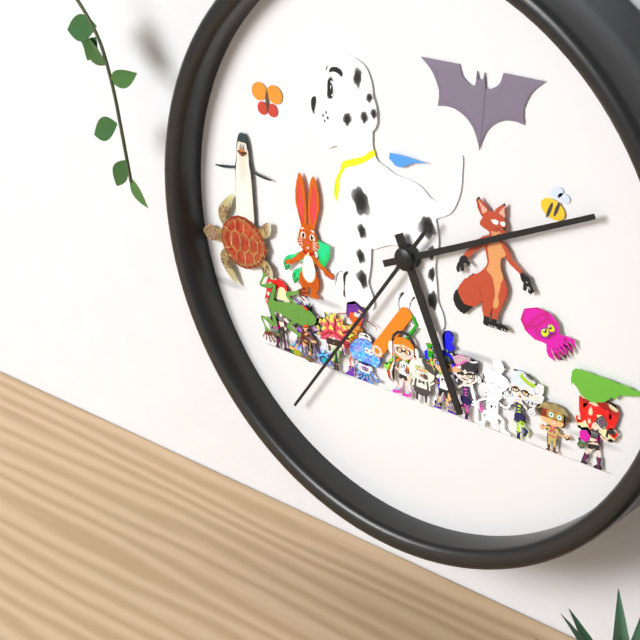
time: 5:11:36
